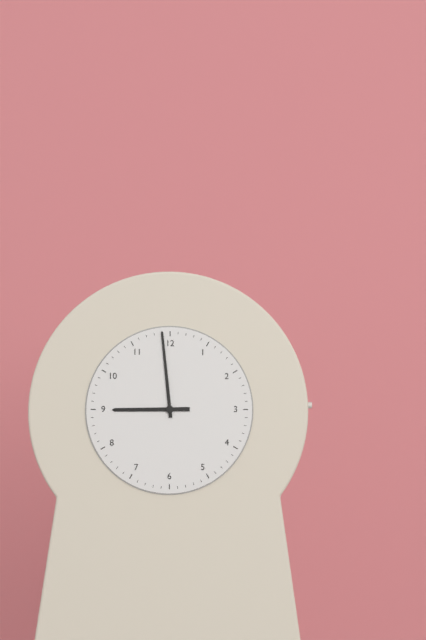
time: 8:59
